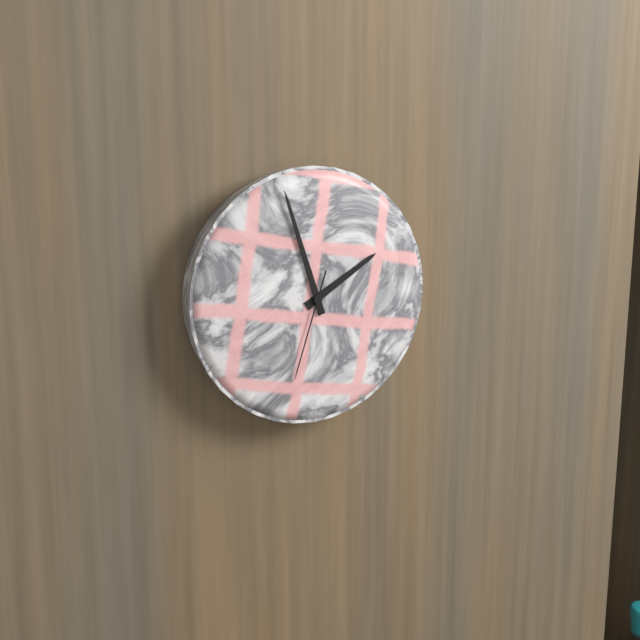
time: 1:57:33
